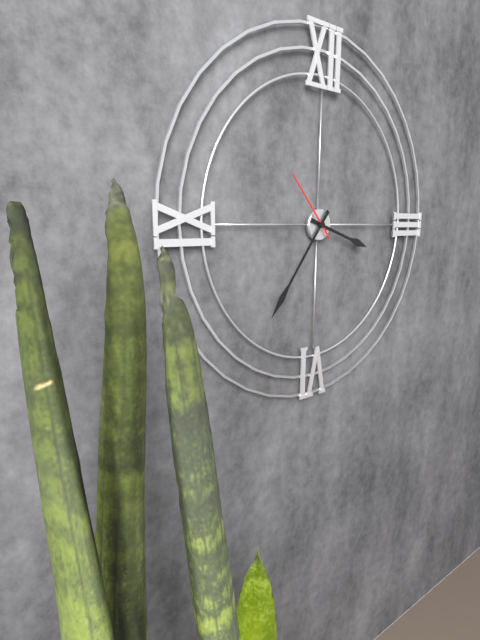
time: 3:36:53
